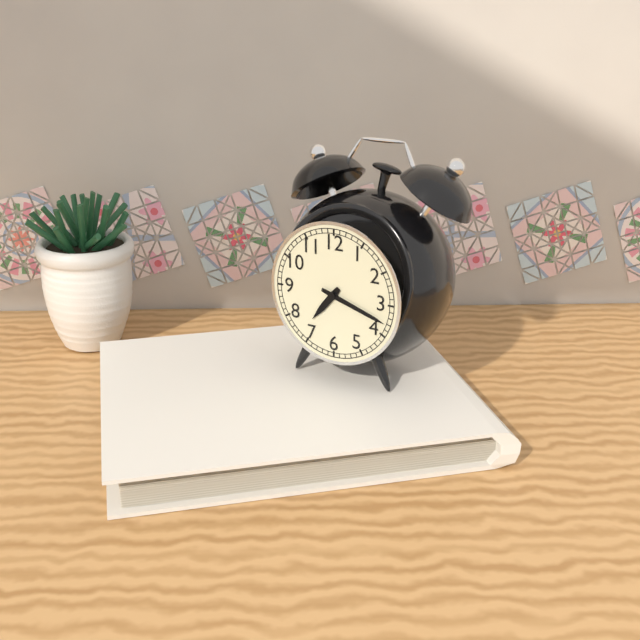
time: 7:18
